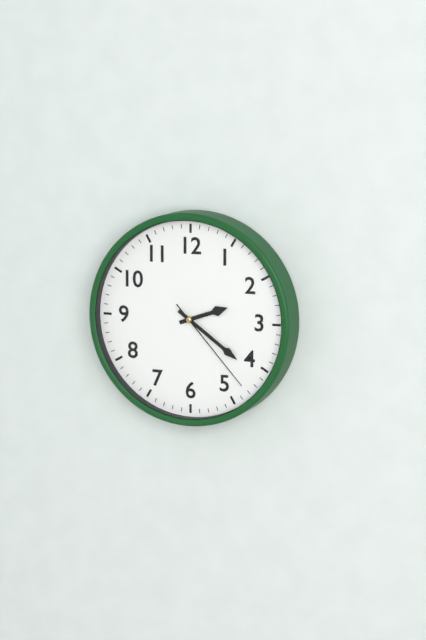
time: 2:21:23
